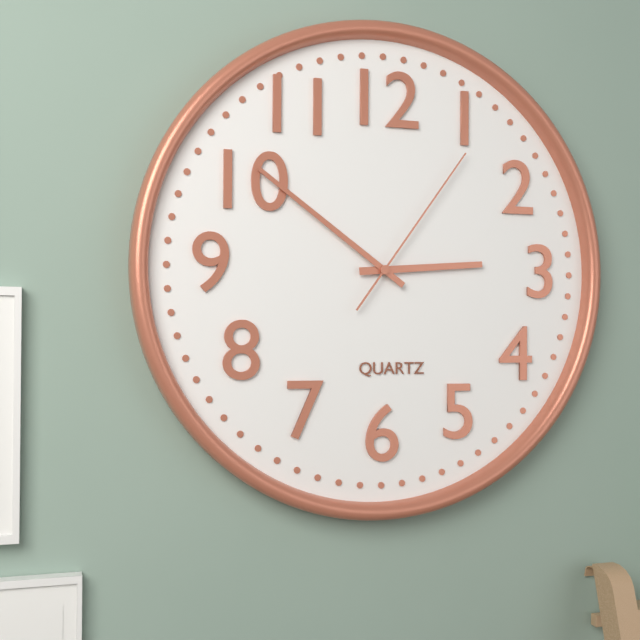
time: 2:51:06
